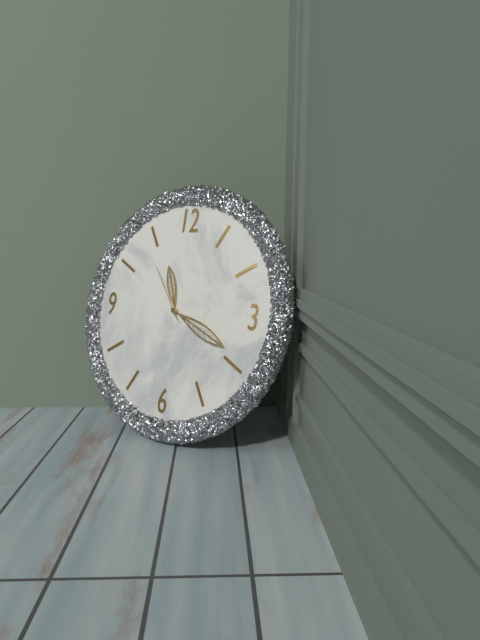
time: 11:19:54
